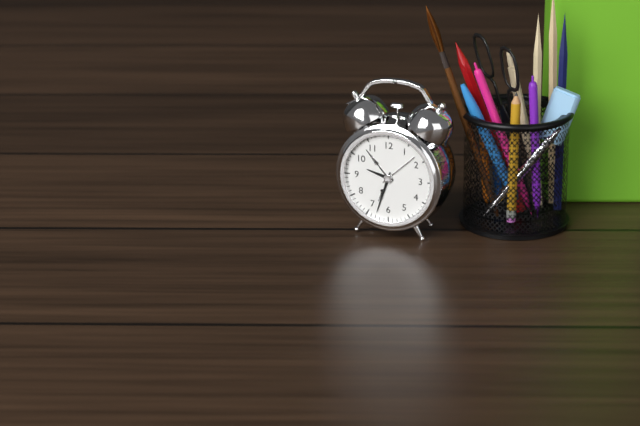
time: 9:33
